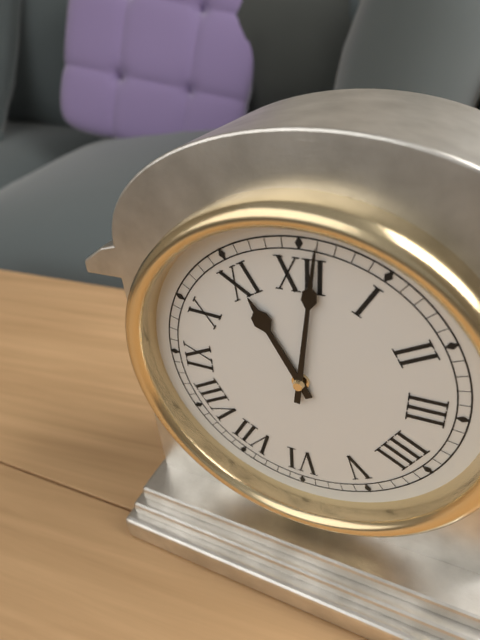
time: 11:01
